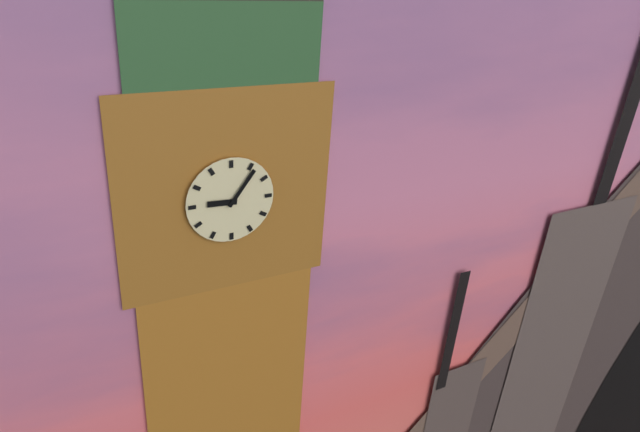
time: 9:06
